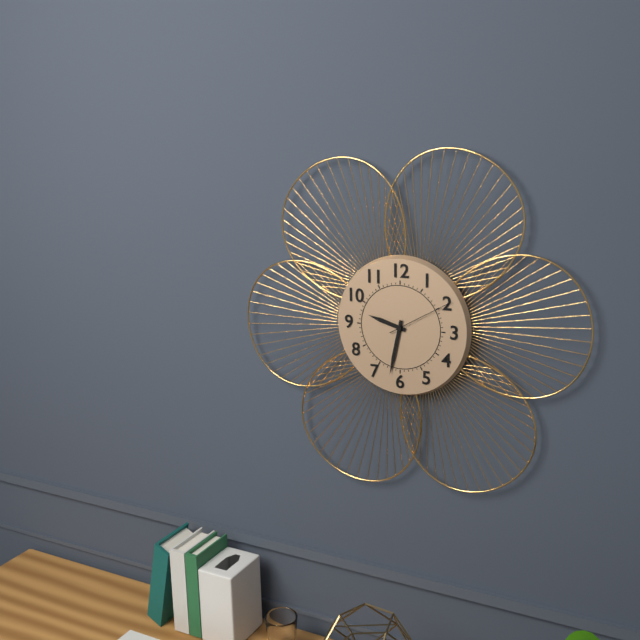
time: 9:32:10
